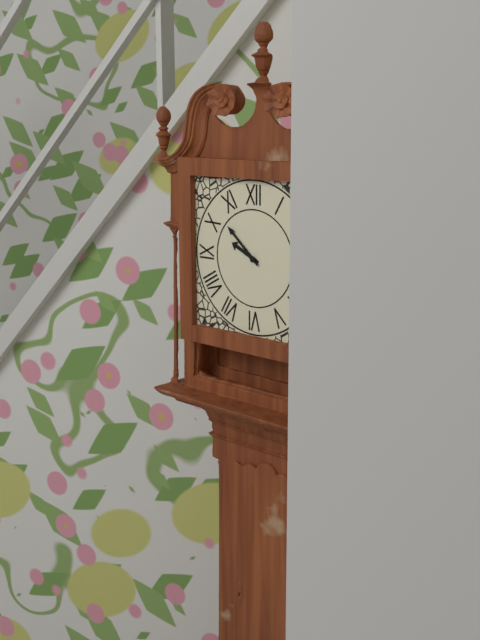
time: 9:52
